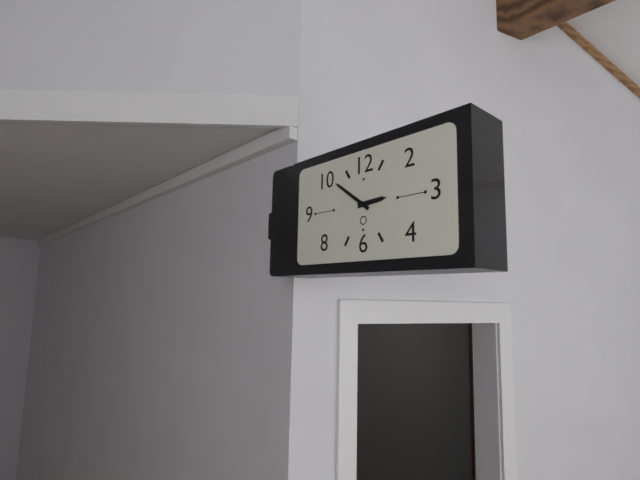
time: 2:51
